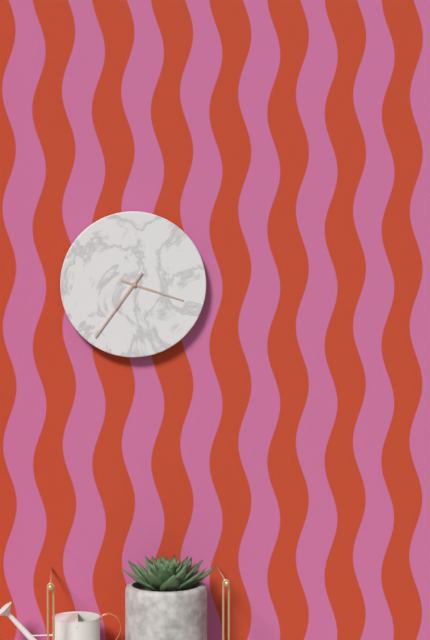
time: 3:36
